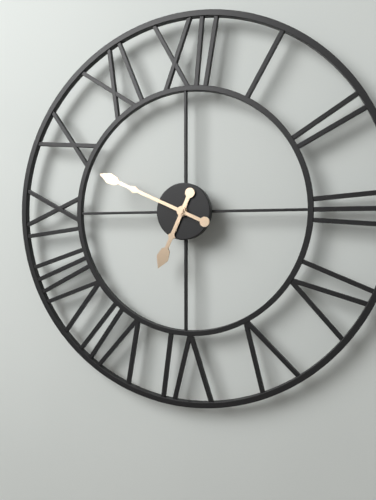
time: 6:49
